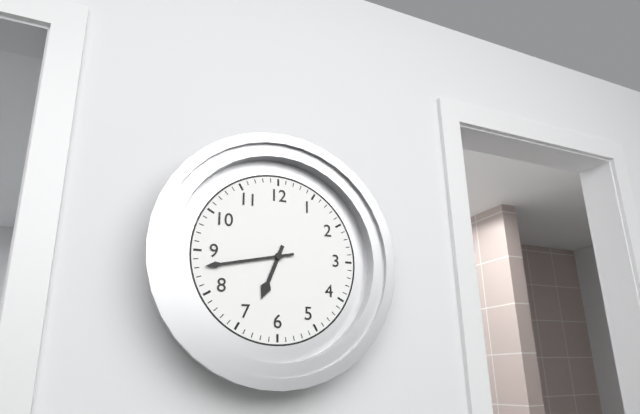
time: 6:43
